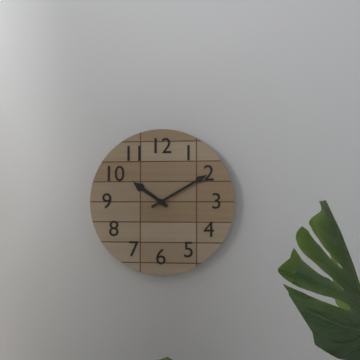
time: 10:10
